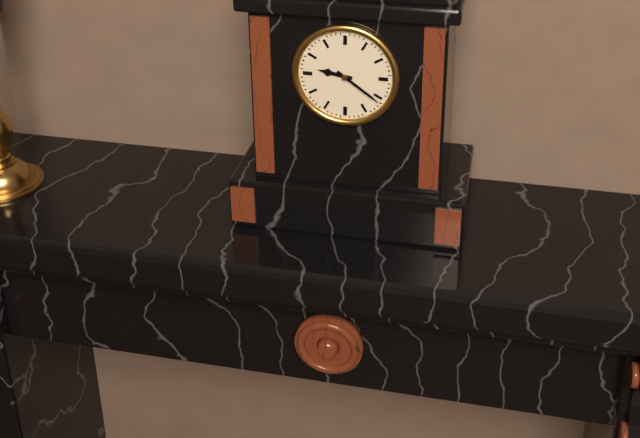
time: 9:21
